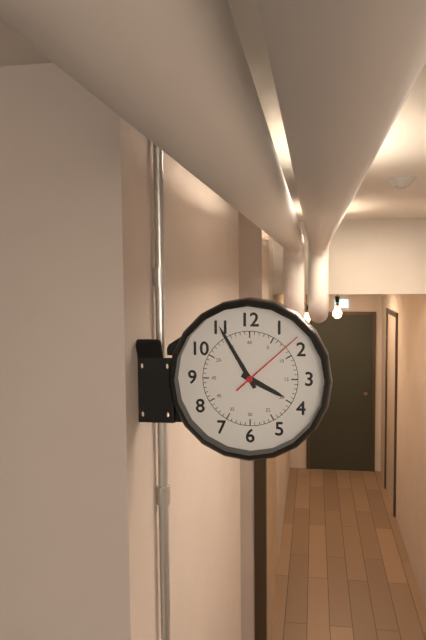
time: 3:55:08
